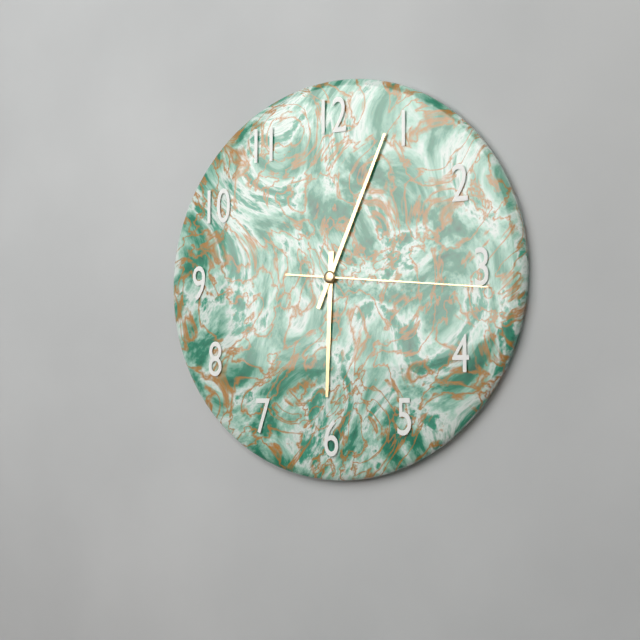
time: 6:04:16
